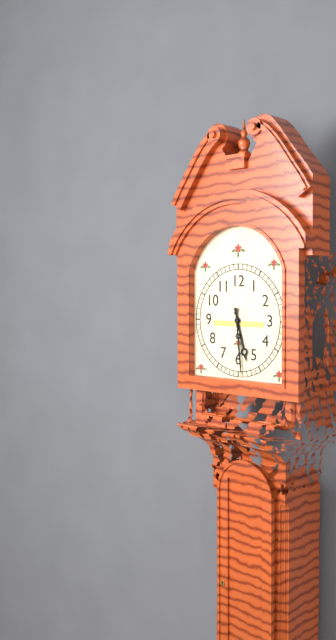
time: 5:29
